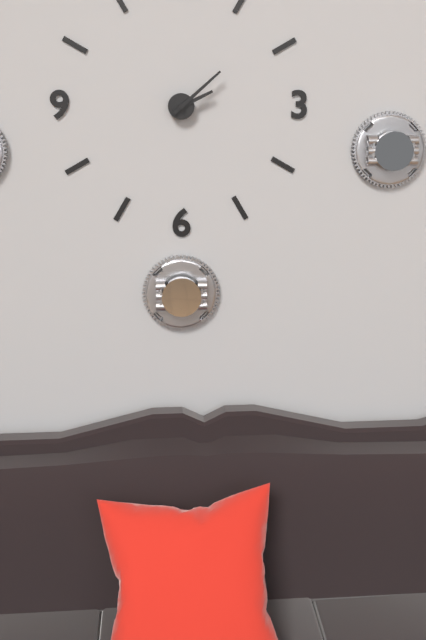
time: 2:08
